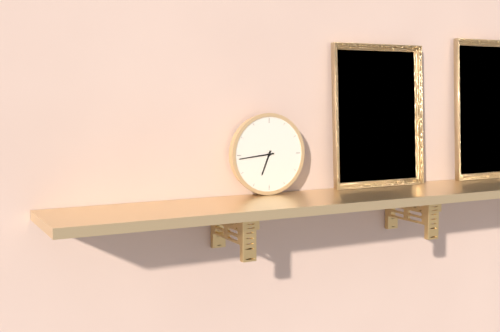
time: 6:44
